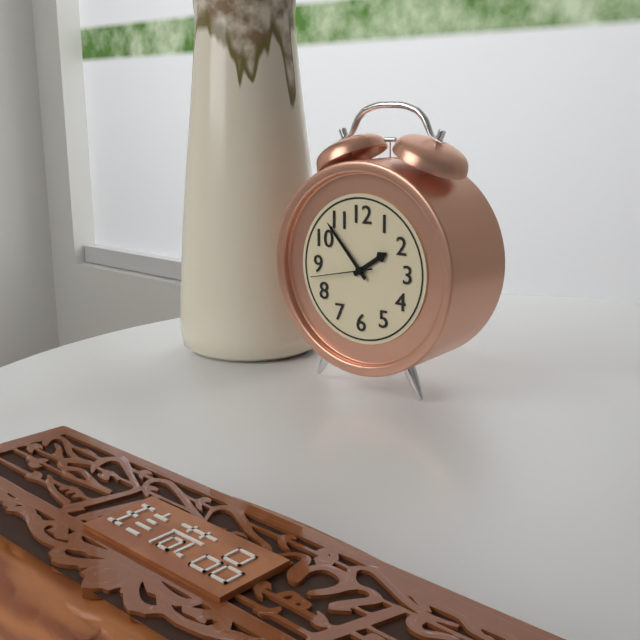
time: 1:53:43
